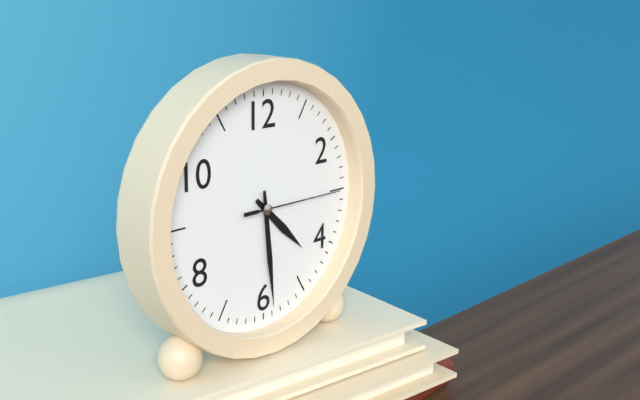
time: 4:29:15
